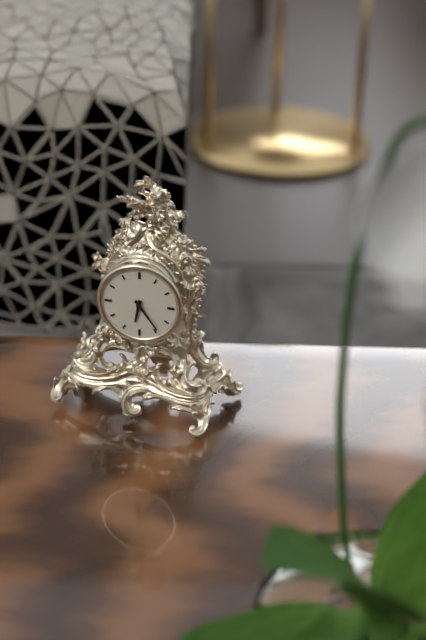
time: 6:24
